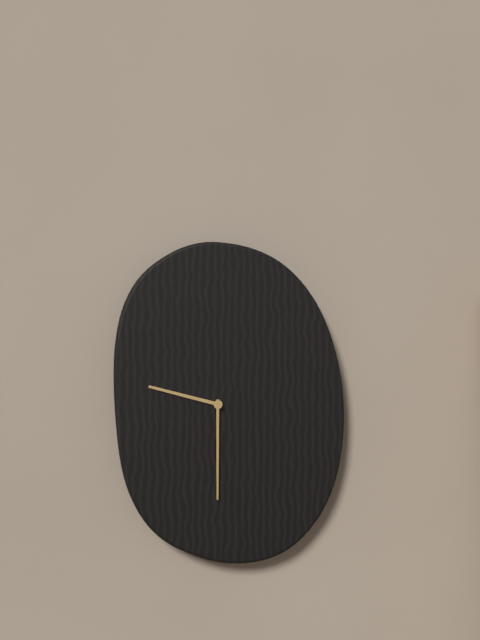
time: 9:30
